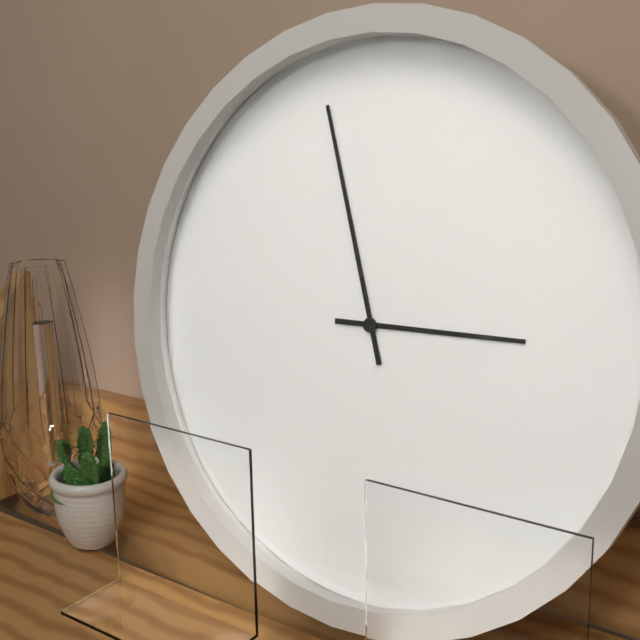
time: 2:57
